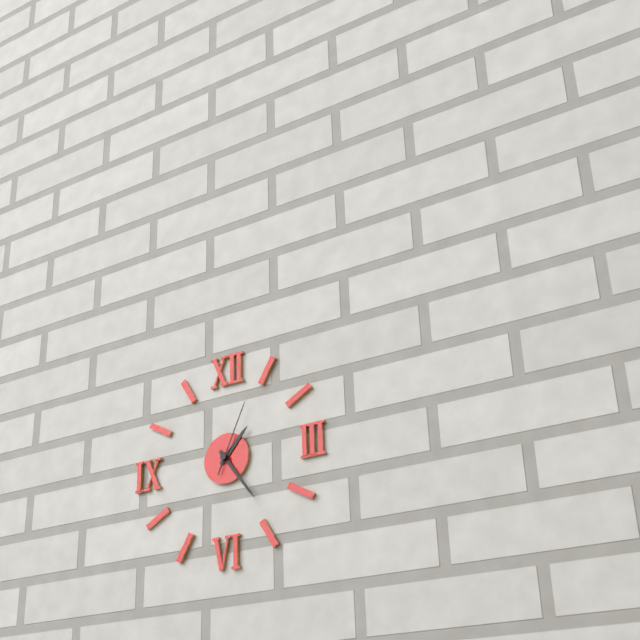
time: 1:24:04
